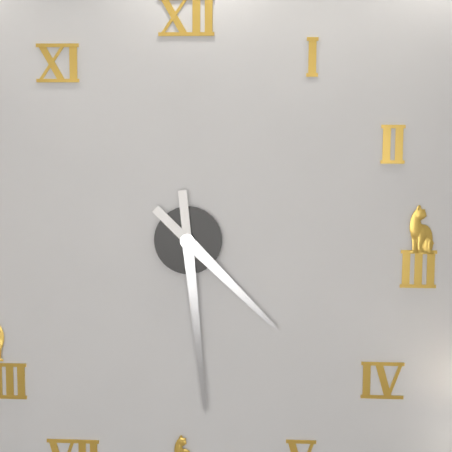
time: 4:29
